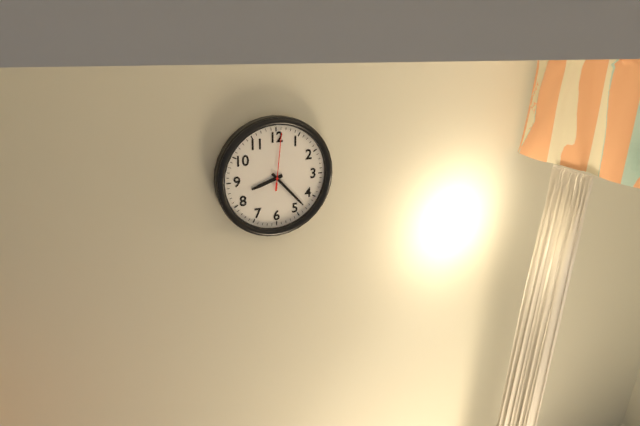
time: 8:23:01
